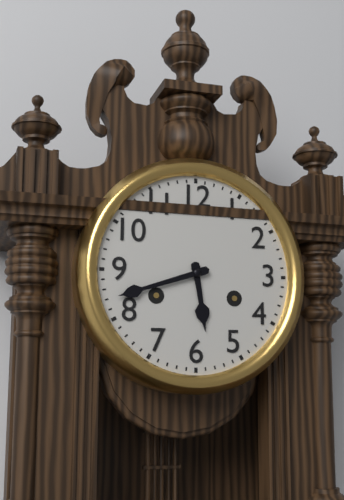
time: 5:42
